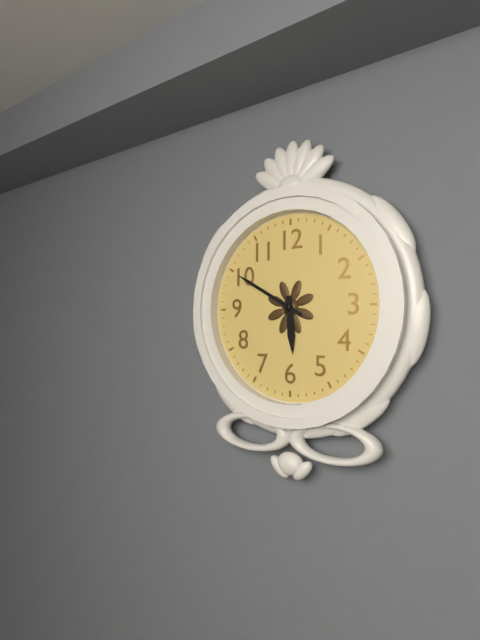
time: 5:50
